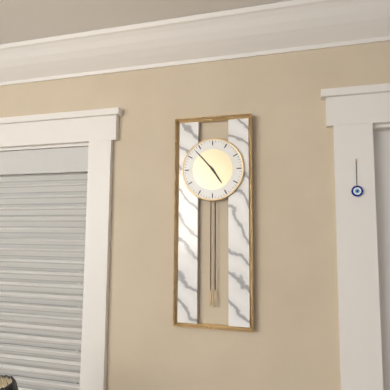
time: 4:53
